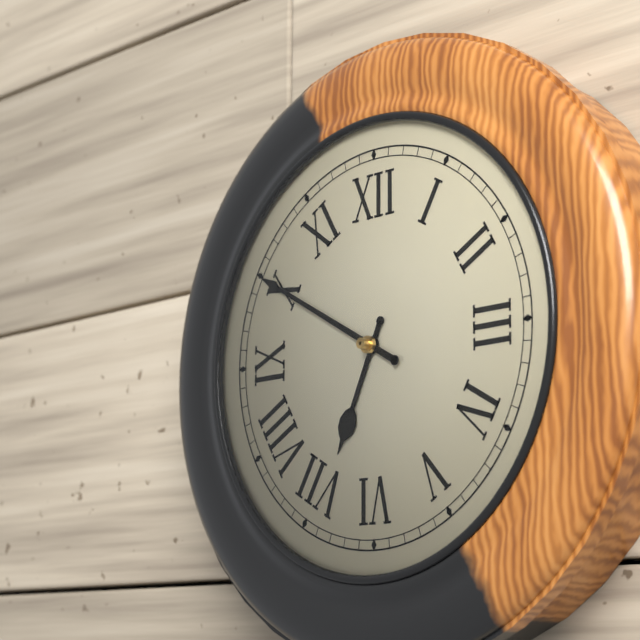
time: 6:50
